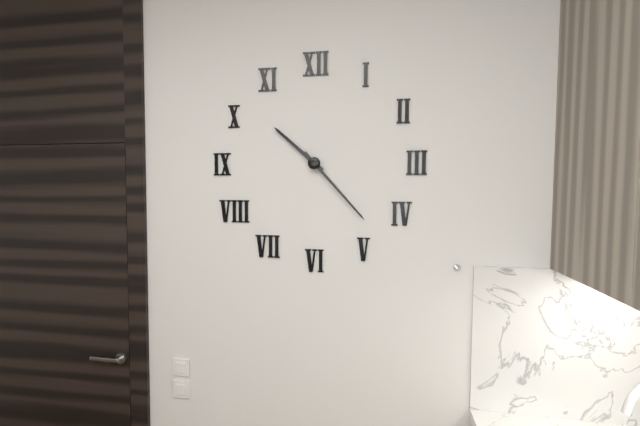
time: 10:23
